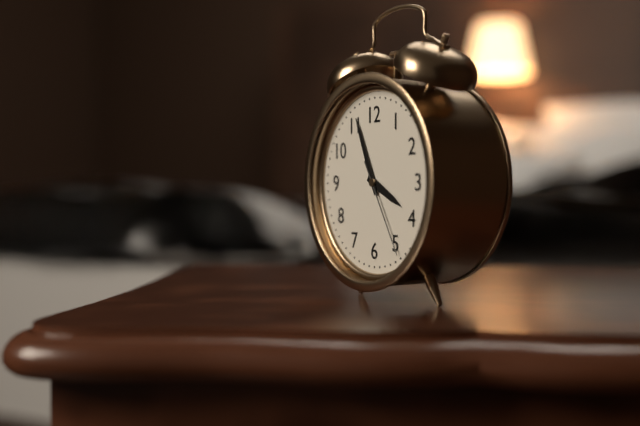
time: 3:56:25
